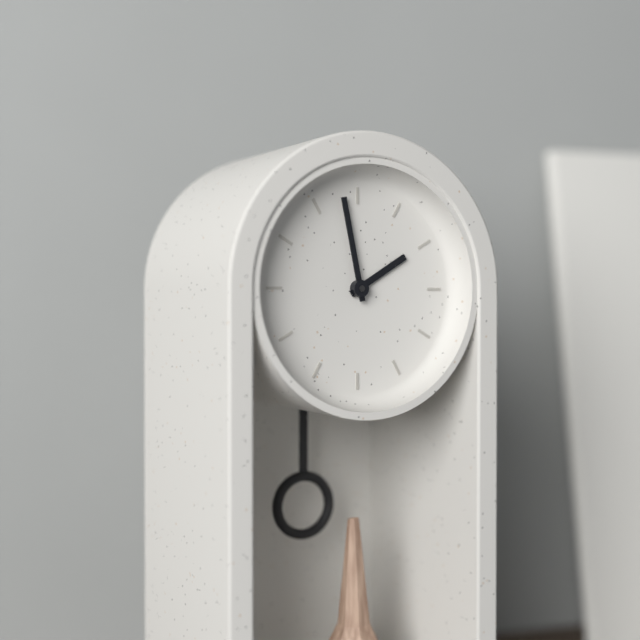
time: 1:58
